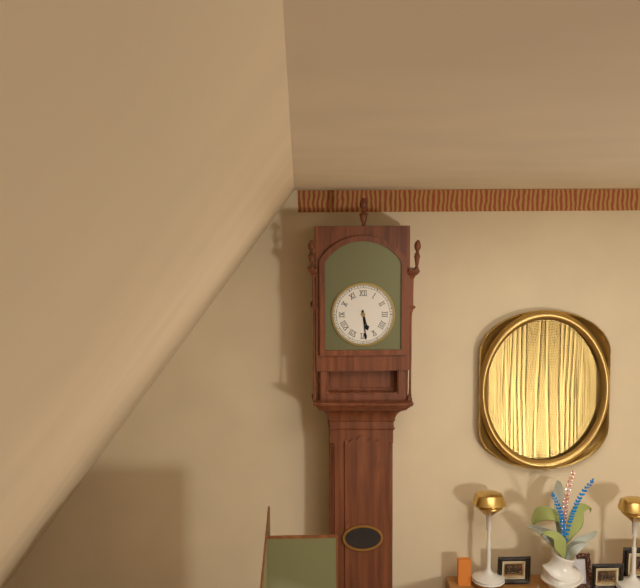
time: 5:29
